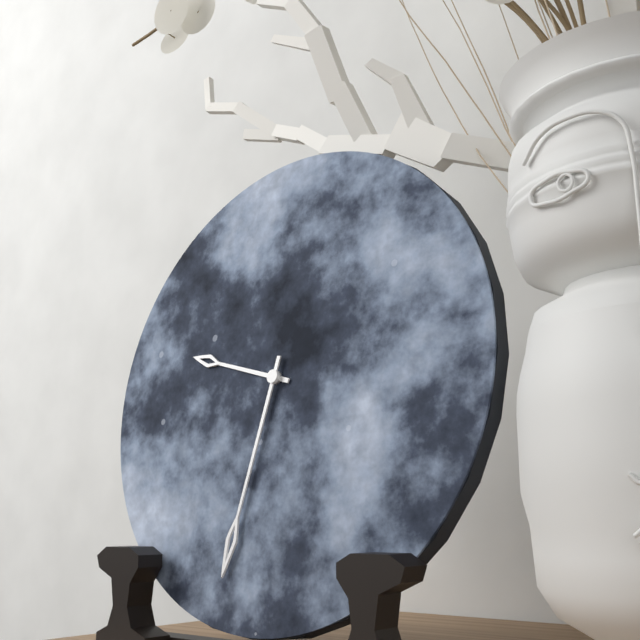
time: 9:32
